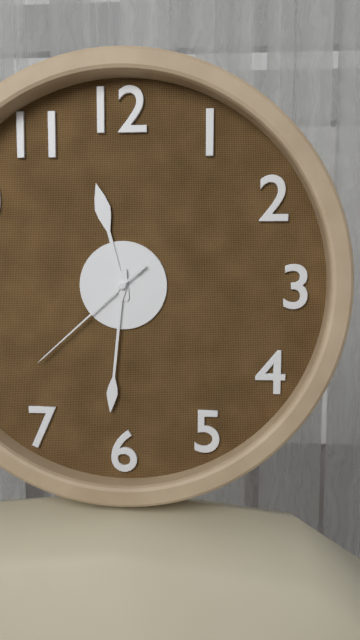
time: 11:31:38
